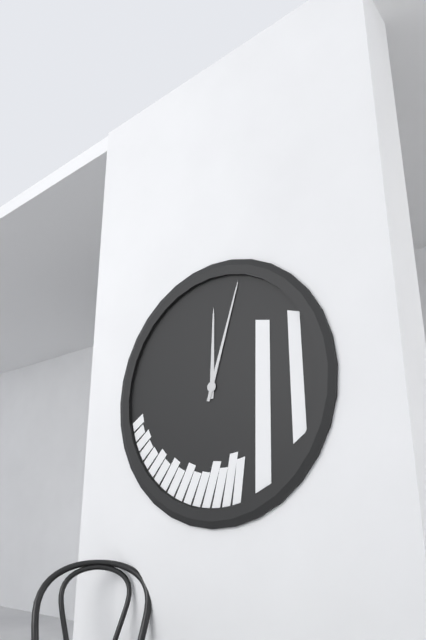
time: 12:03
